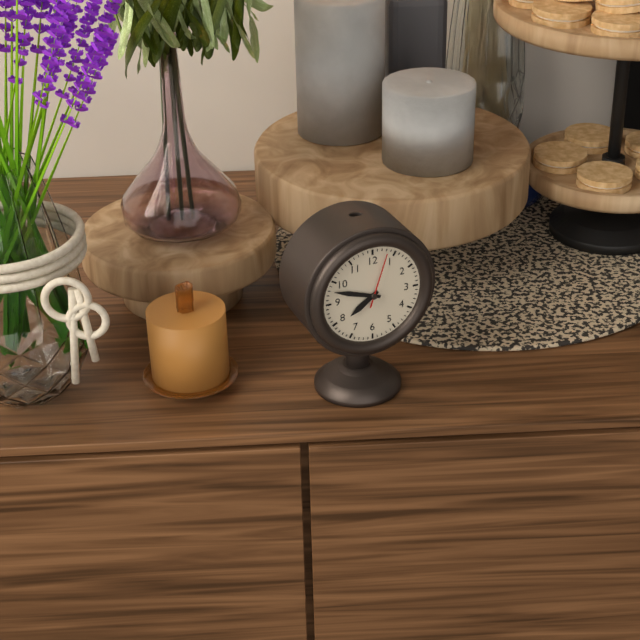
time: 7:48:03
